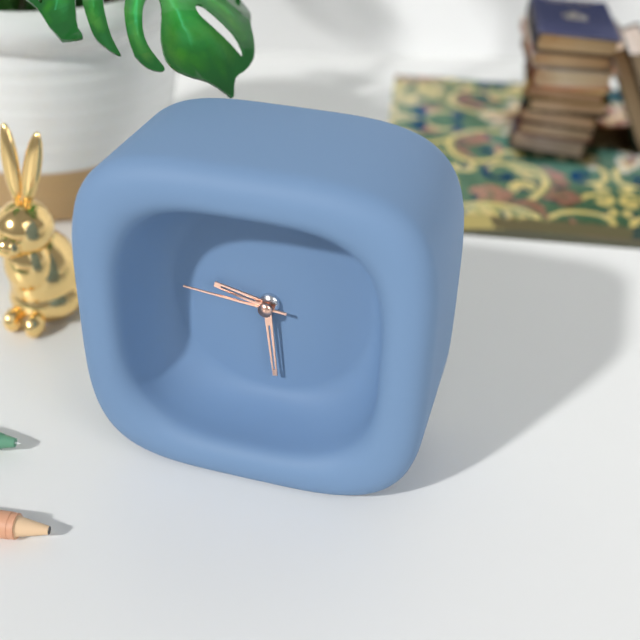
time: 9:29:46
